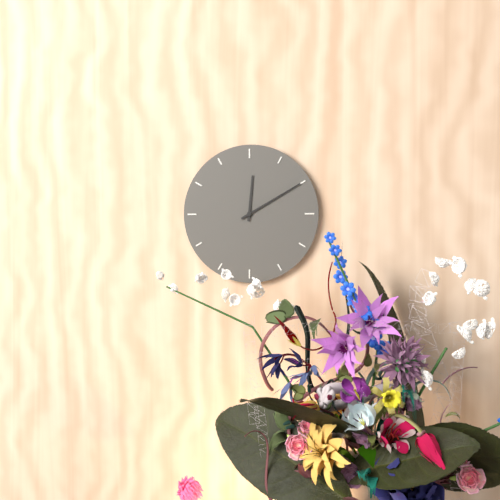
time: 12:10
